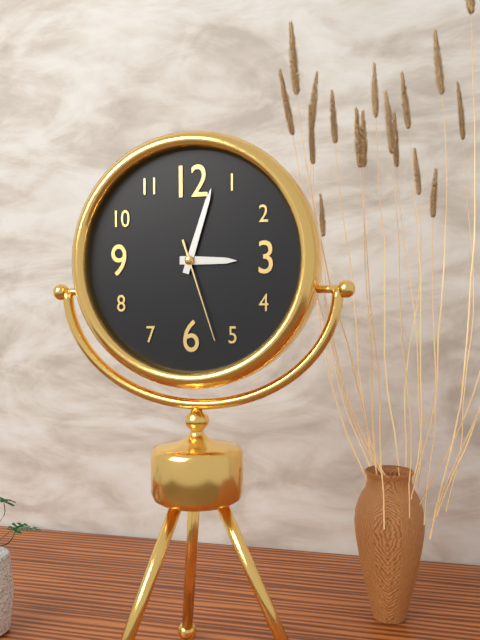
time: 3:03:27
